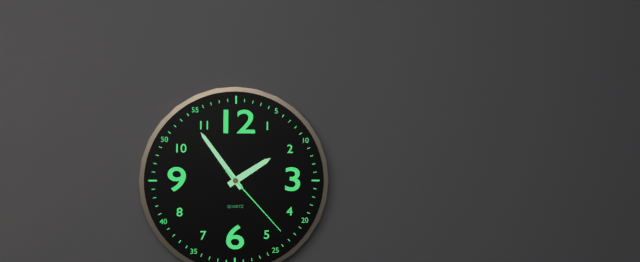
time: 1:54:23
